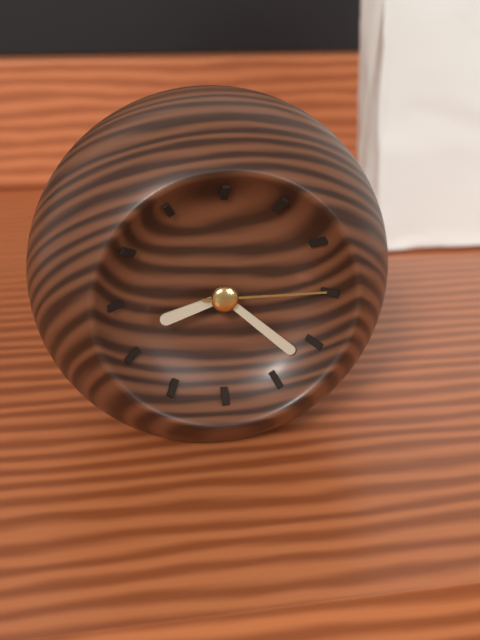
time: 8:22:15
